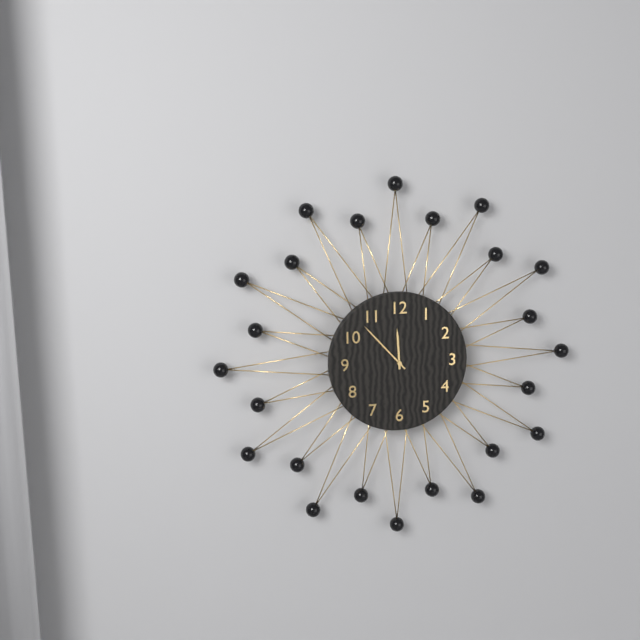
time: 11:53
